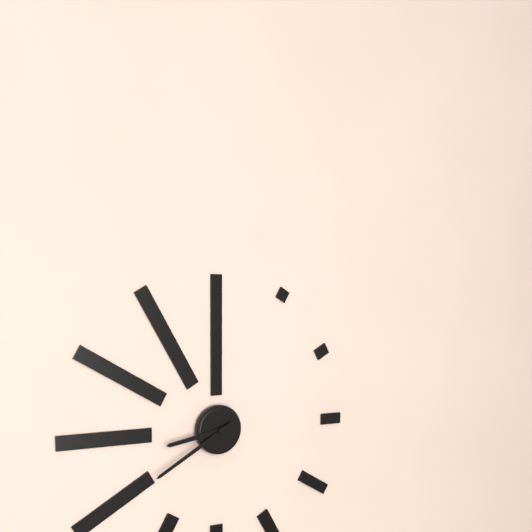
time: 8:40
